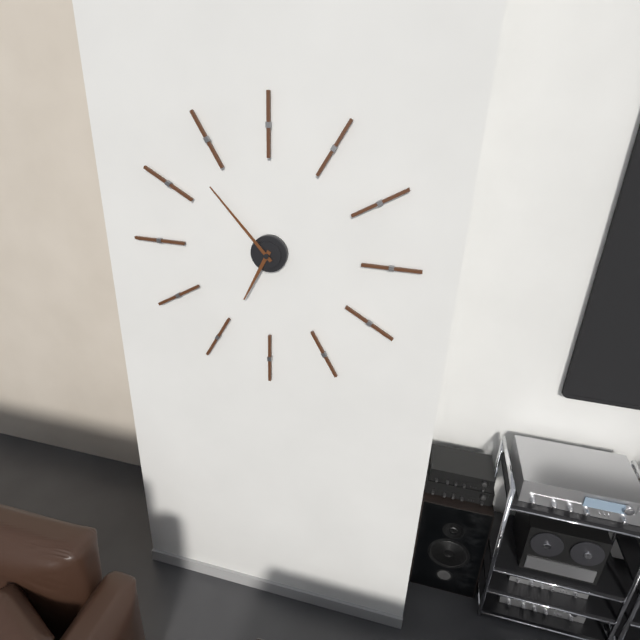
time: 6:53
